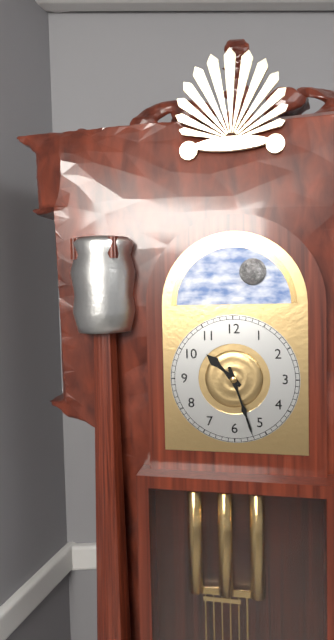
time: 10:27
